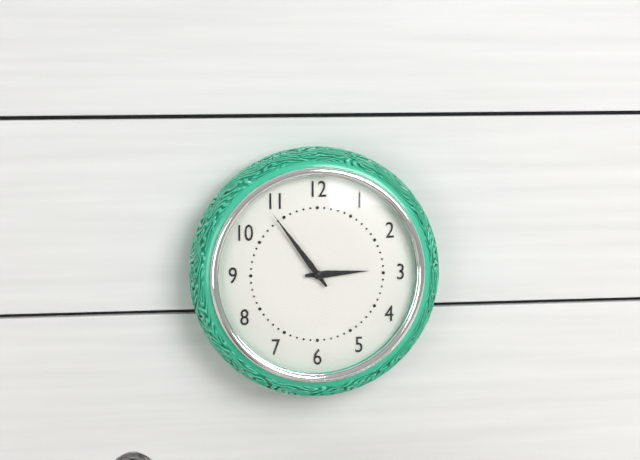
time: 2:54
